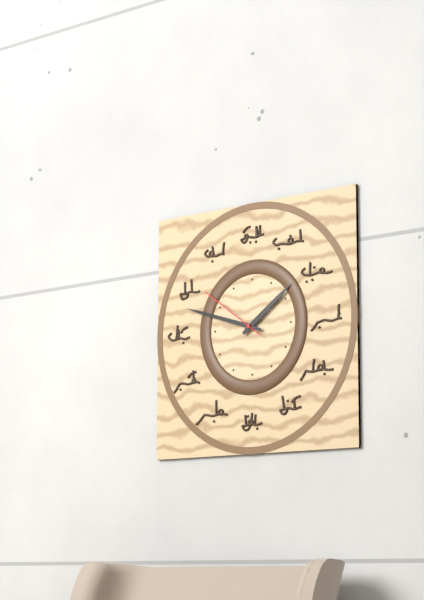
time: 1:48:51
